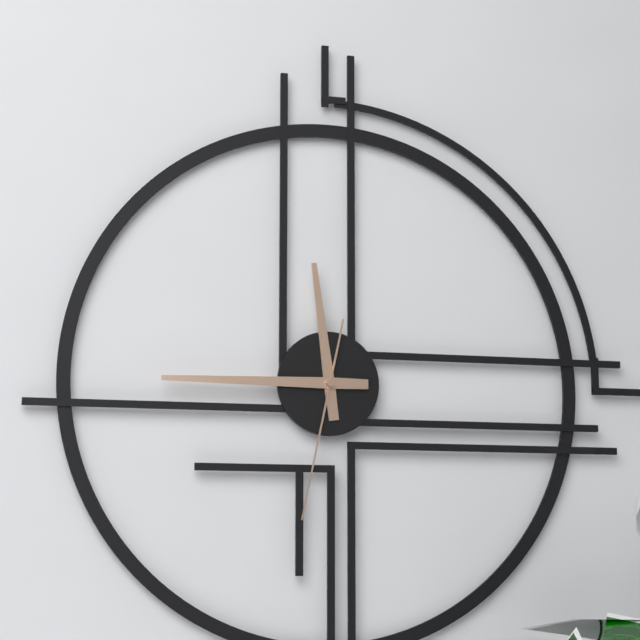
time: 11:45:32
